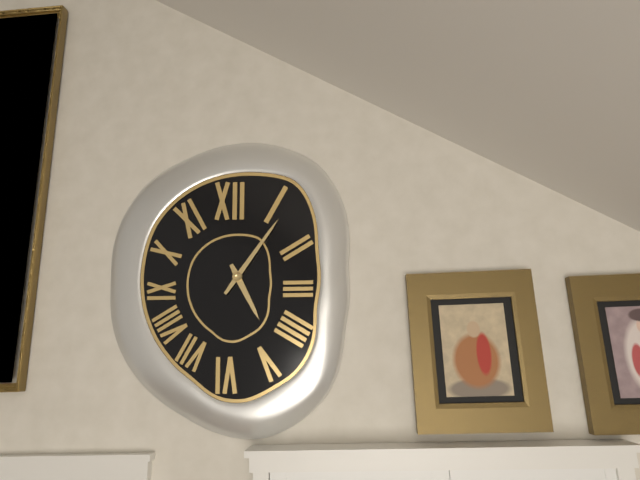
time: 5:06
